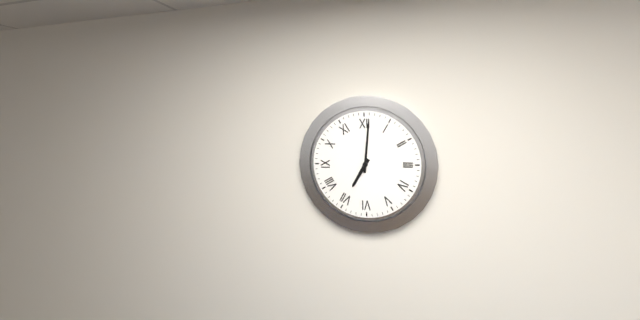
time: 7:01
